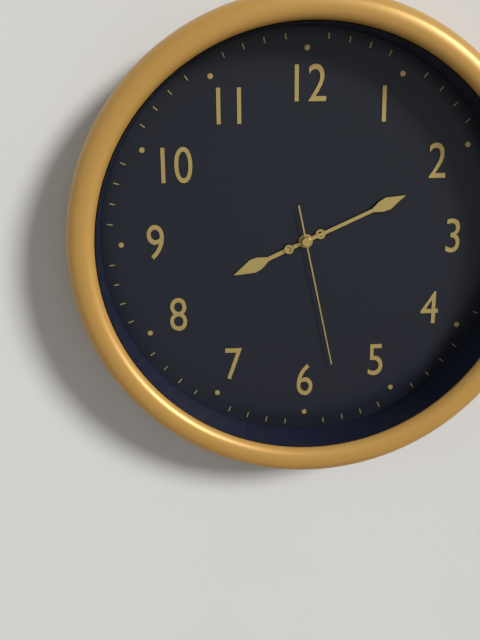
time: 8:11:28
